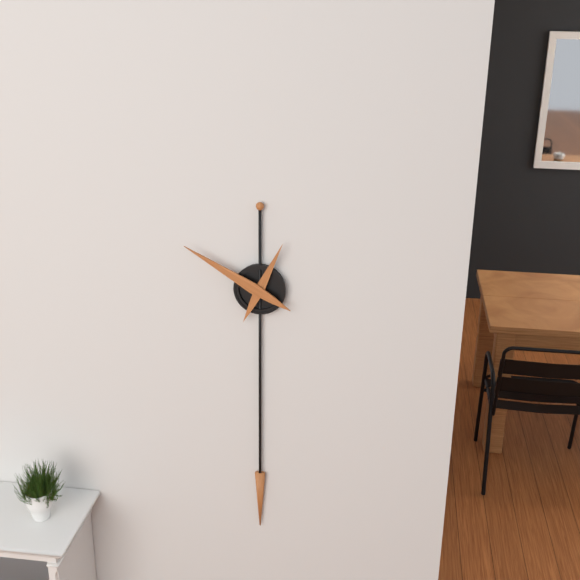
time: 12:50
